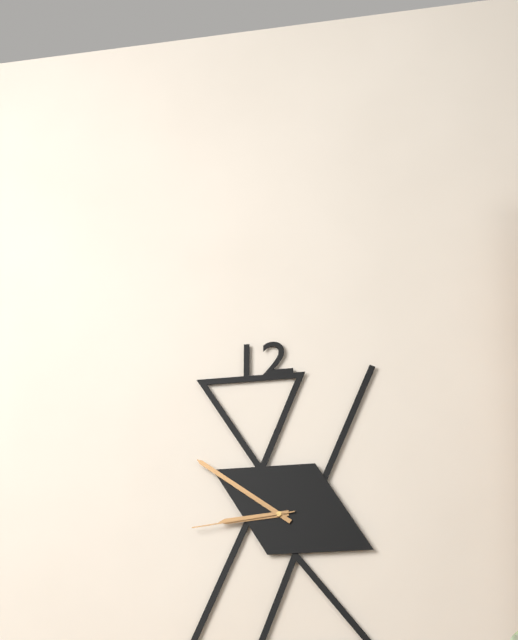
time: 8:51:44
